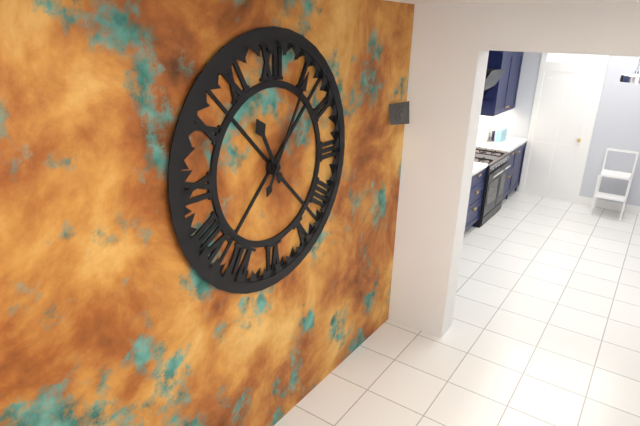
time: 11:05
